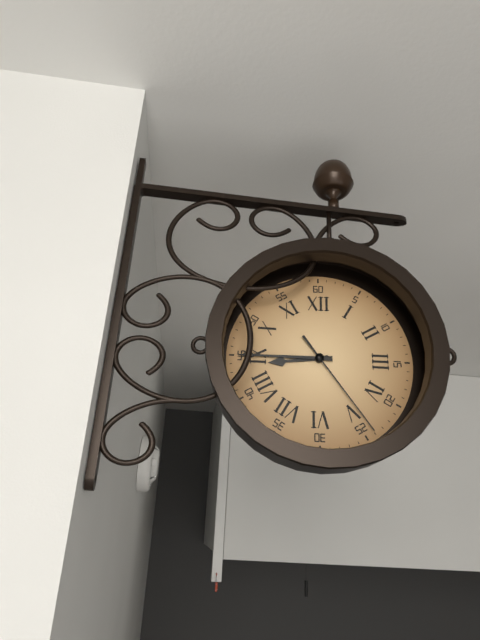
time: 8:45:24
